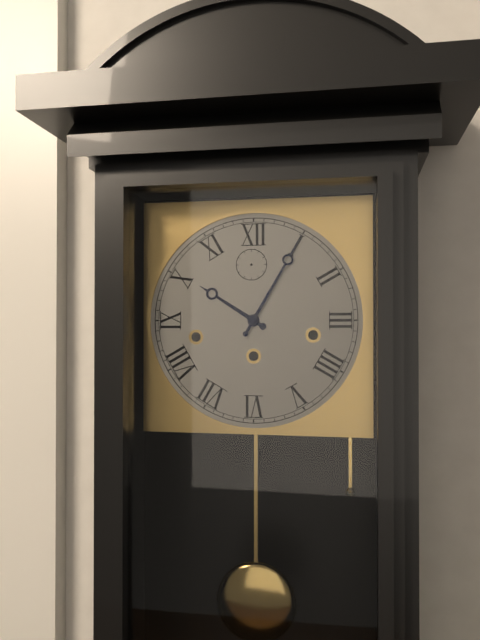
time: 10:05
